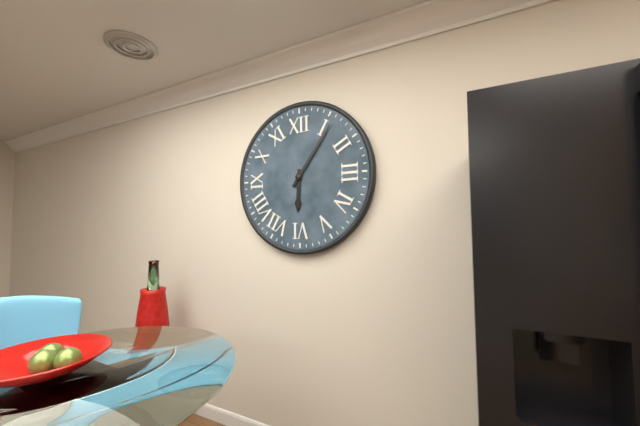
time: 6:06
